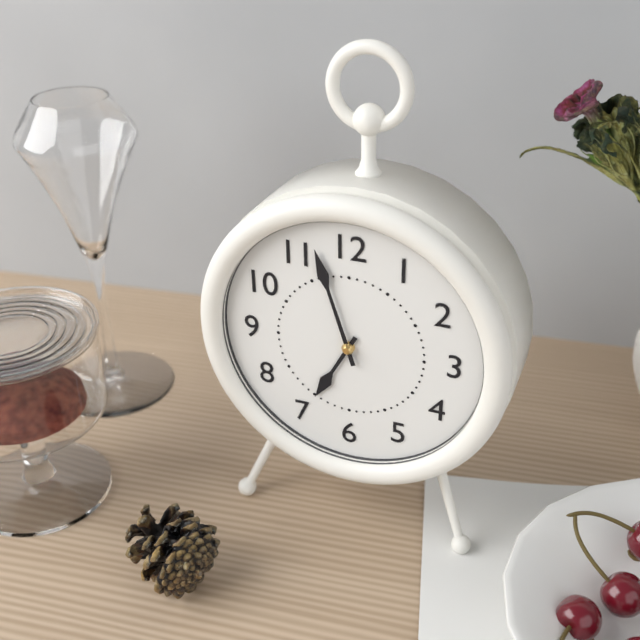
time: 6:57
